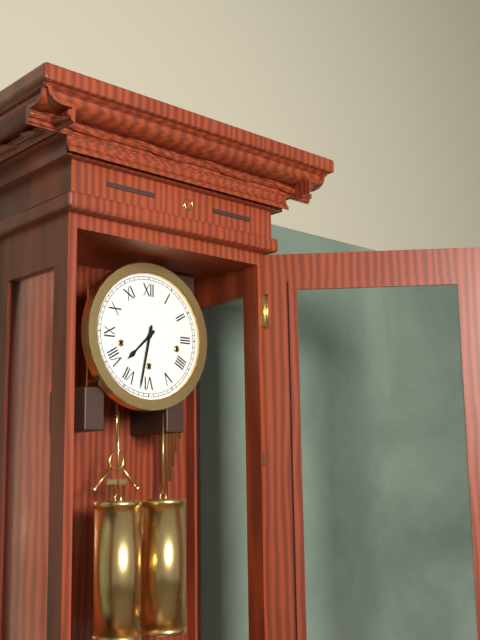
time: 7:32
